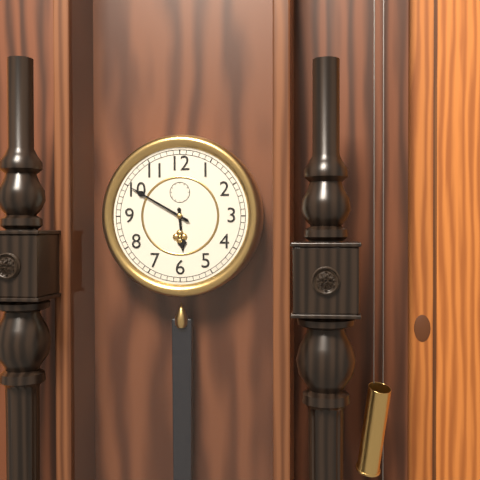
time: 5:50
